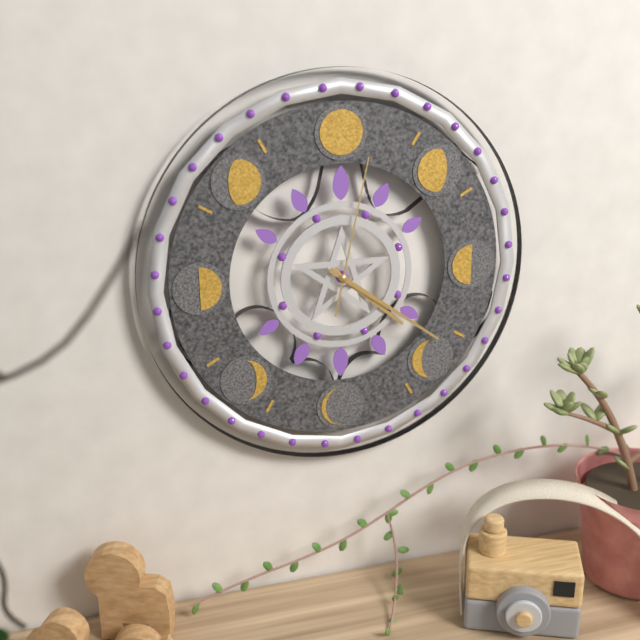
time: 4:21:02
